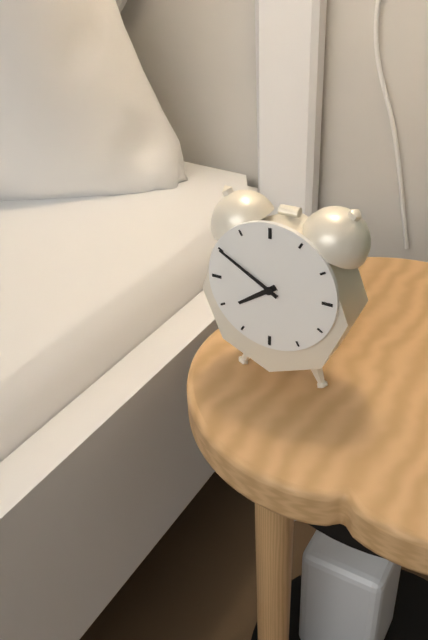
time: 7:50
